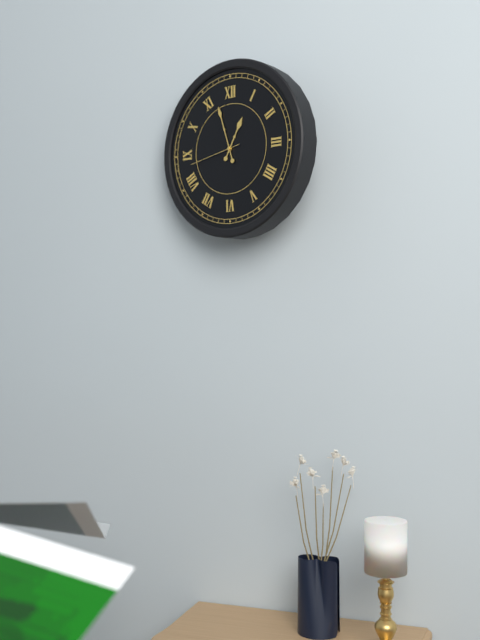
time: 12:57:43
